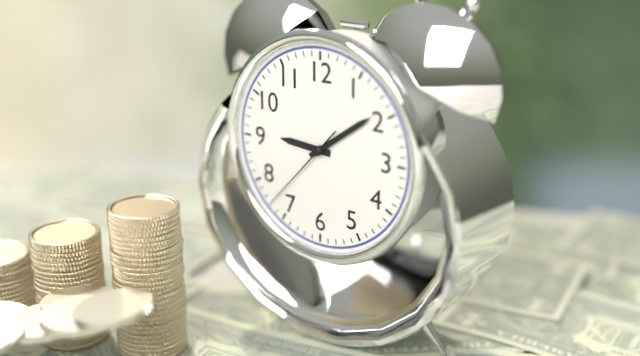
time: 9:09:37
